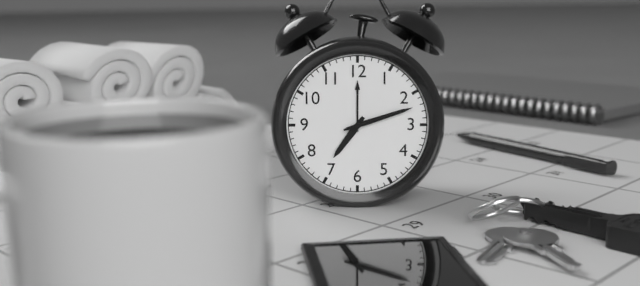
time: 7:12:12
